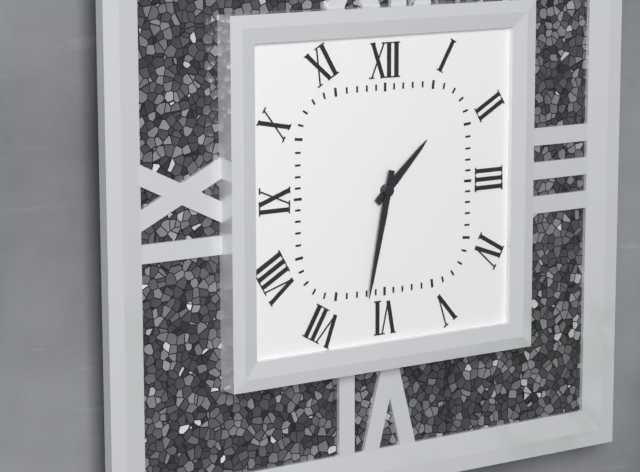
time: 1:32
